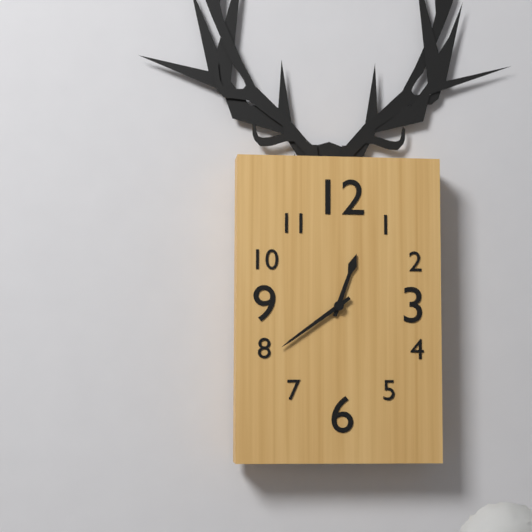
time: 12:39
